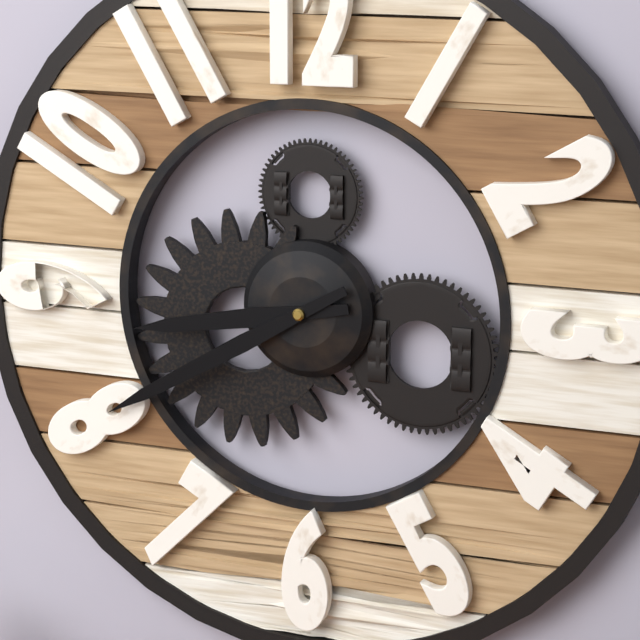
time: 8:40
